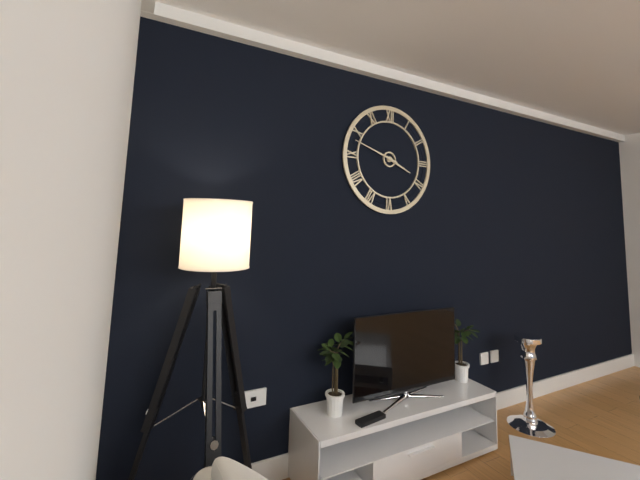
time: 3:48
